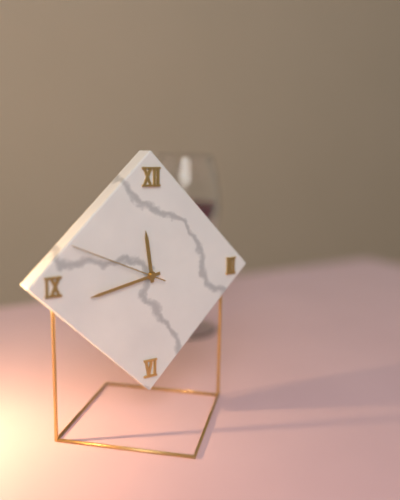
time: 11:43:49
